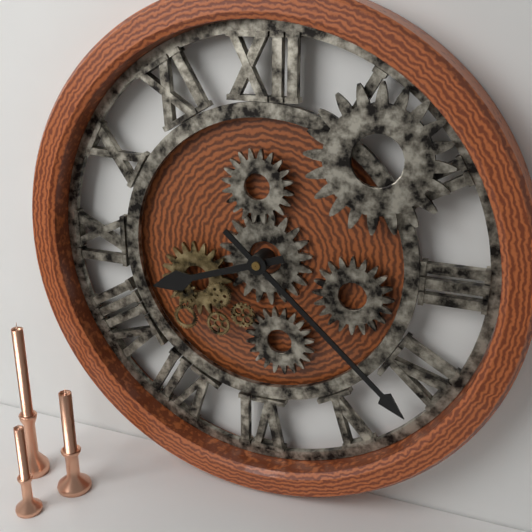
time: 8:22
